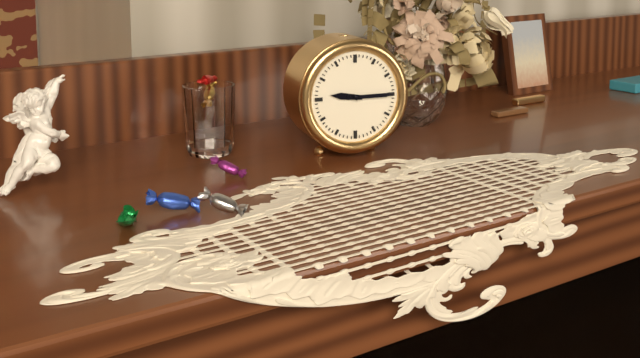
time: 9:15
